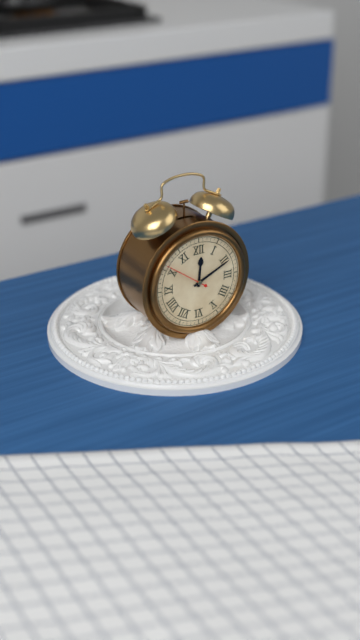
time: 12:11
